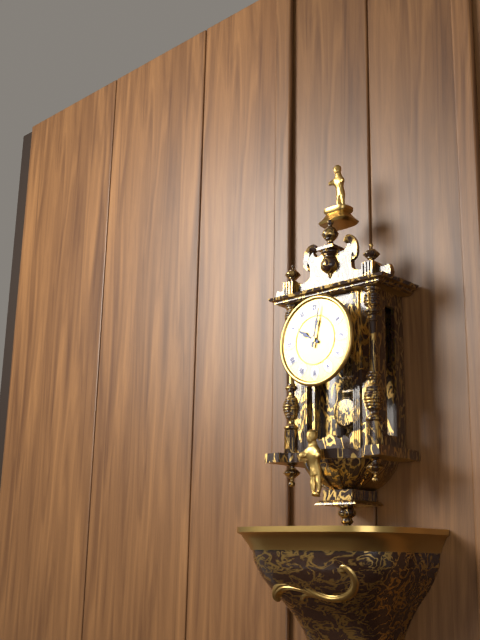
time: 10:02
